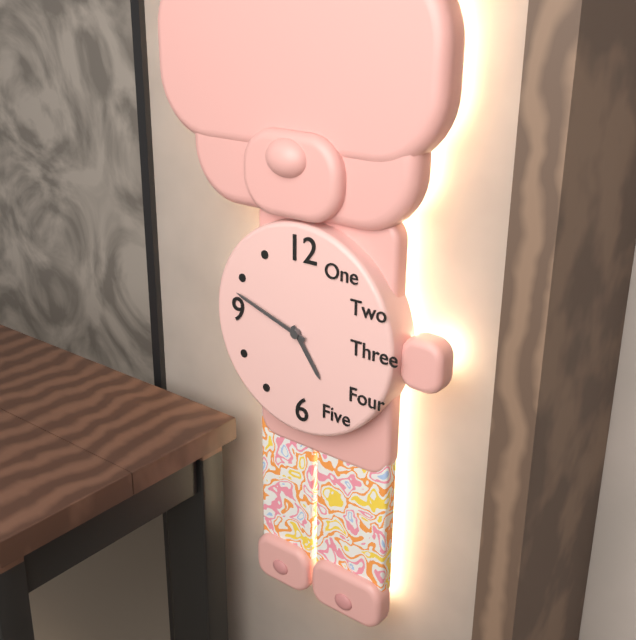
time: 4:48
